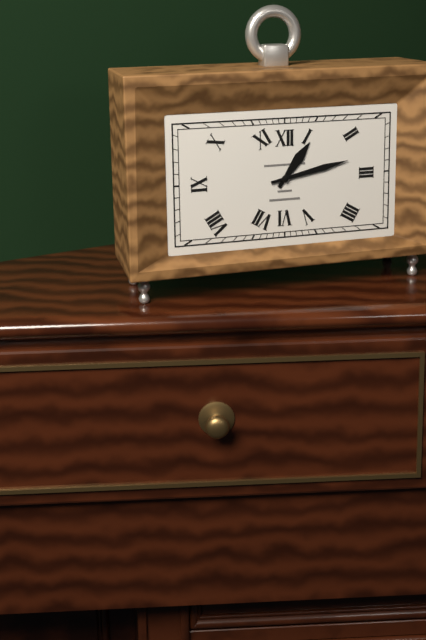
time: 1:13
